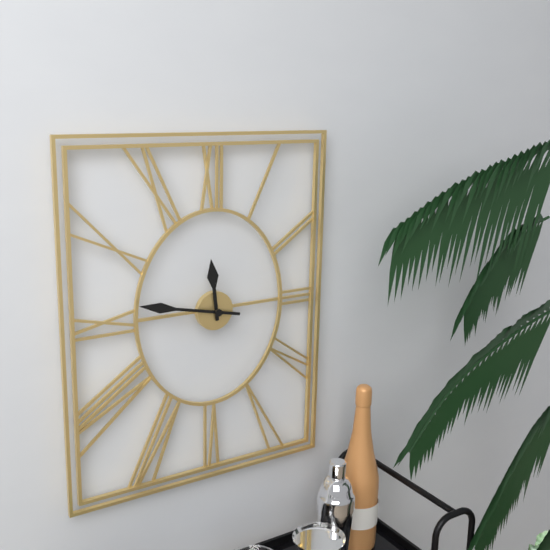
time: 11:47
